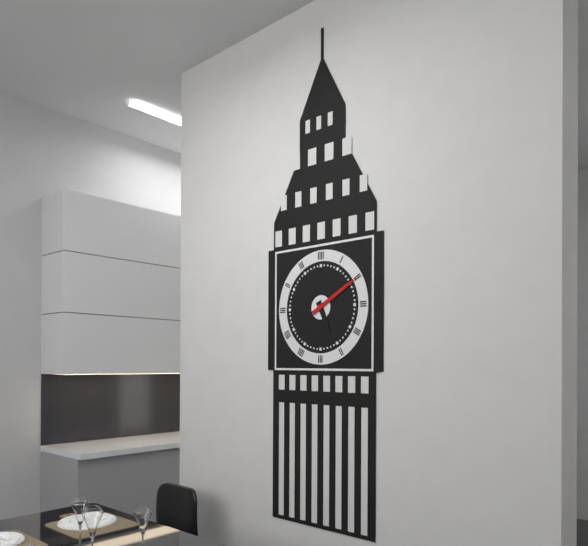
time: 5:10
